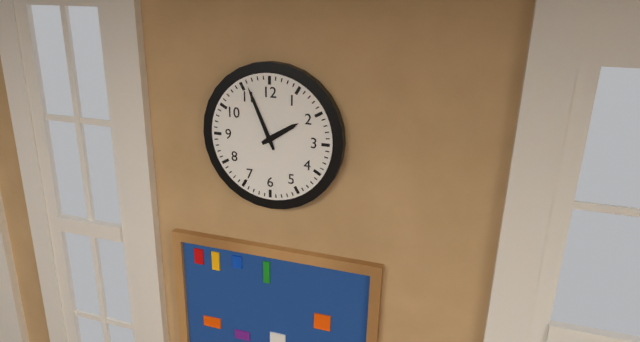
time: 1:56
